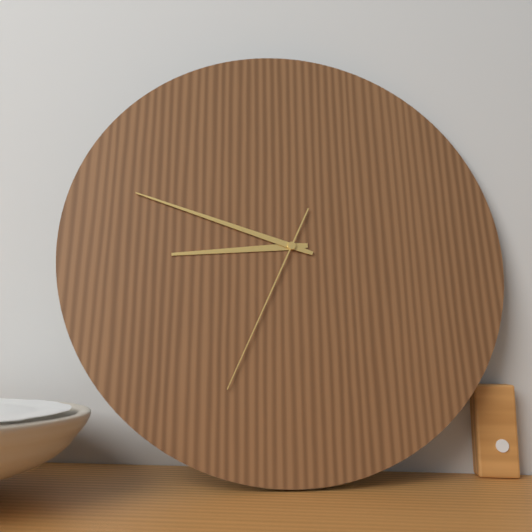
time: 8:48:34
